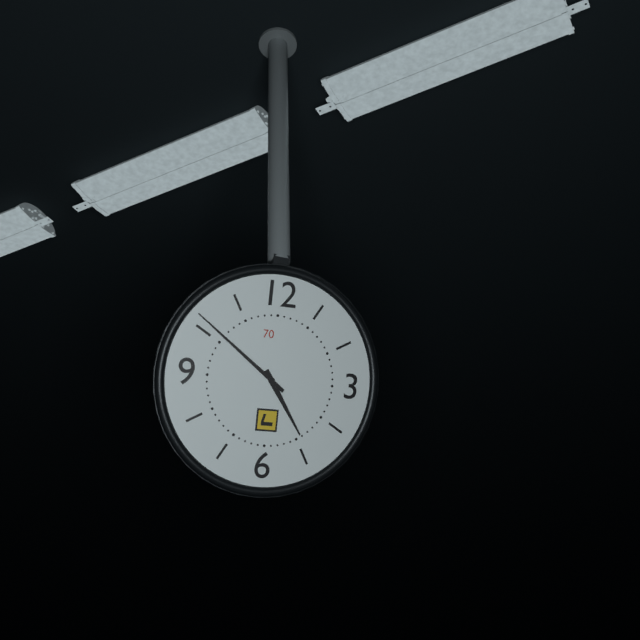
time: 4:51
